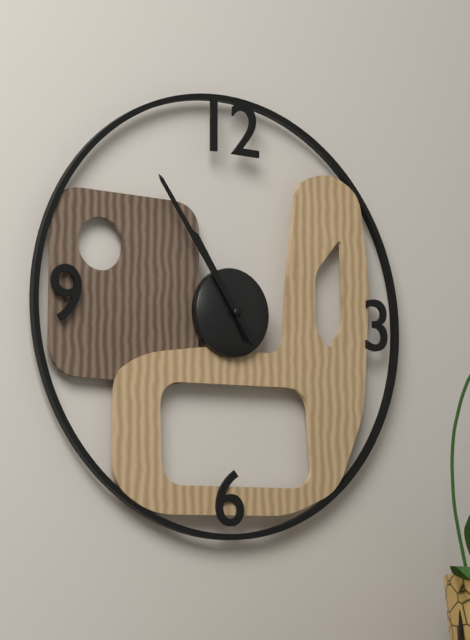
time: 10:54
